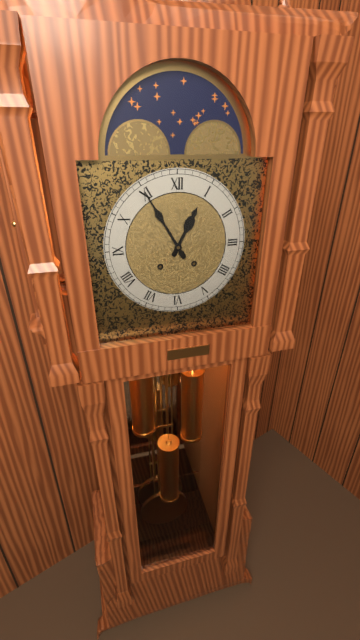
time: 12:55
